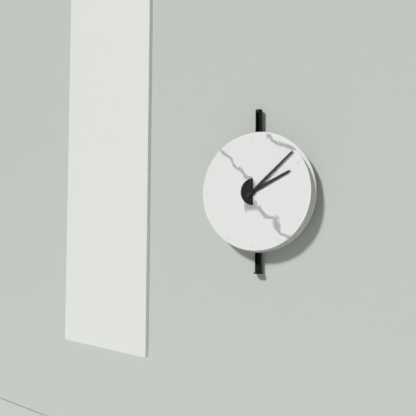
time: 2:08
